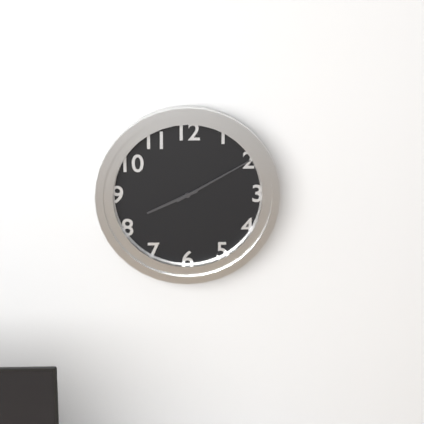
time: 8:10
